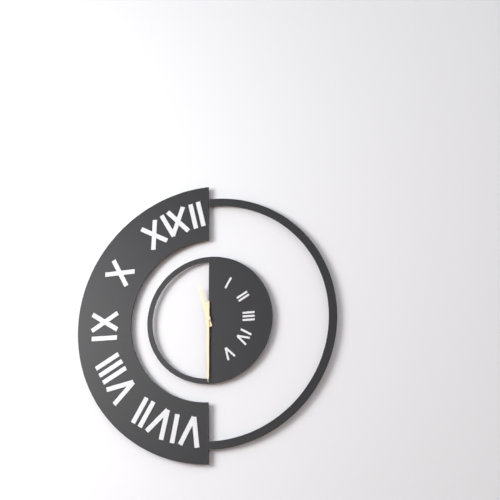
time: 11:30
